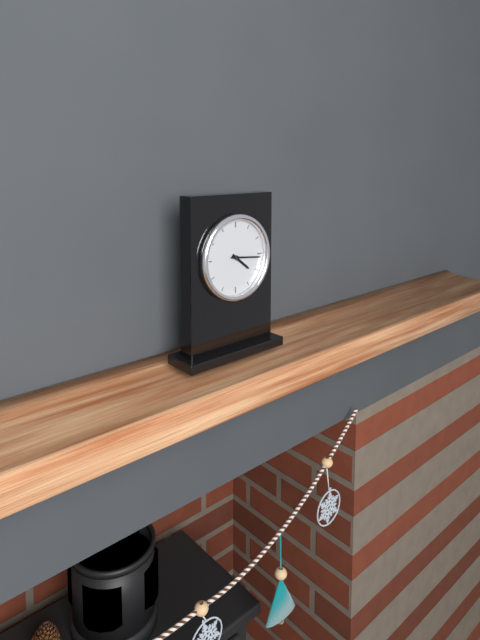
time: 4:16
